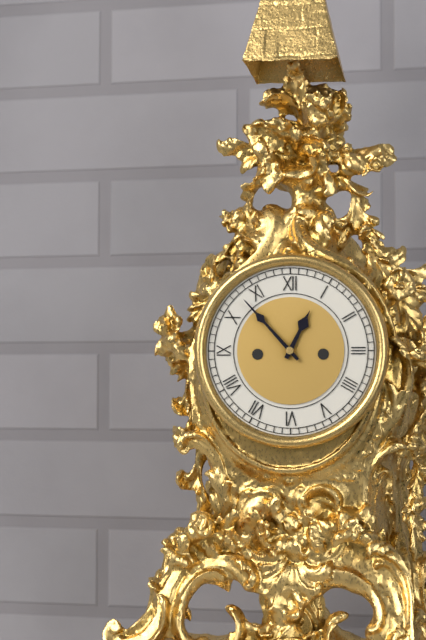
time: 12:53
